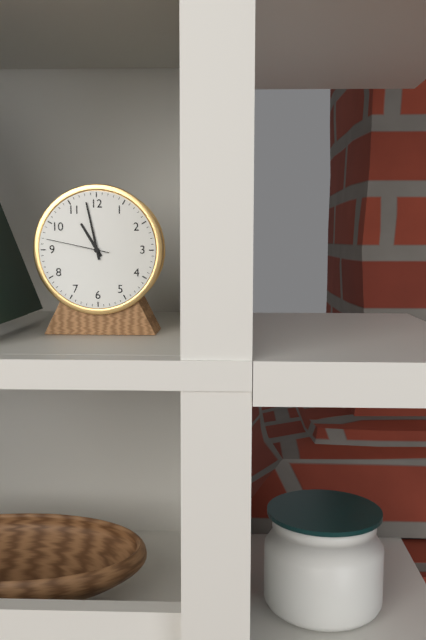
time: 10:58:47
